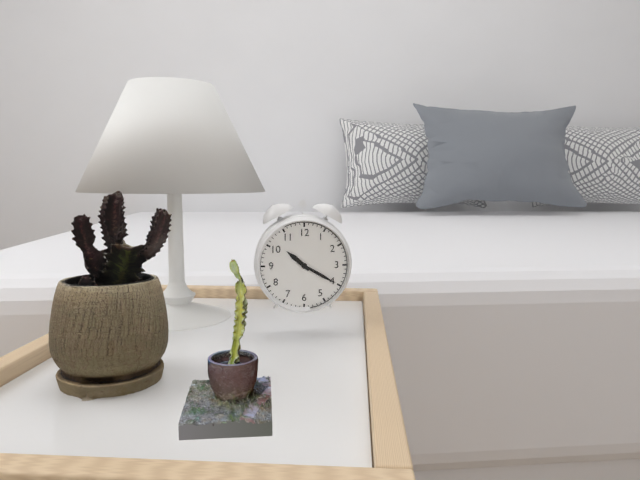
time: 10:20
